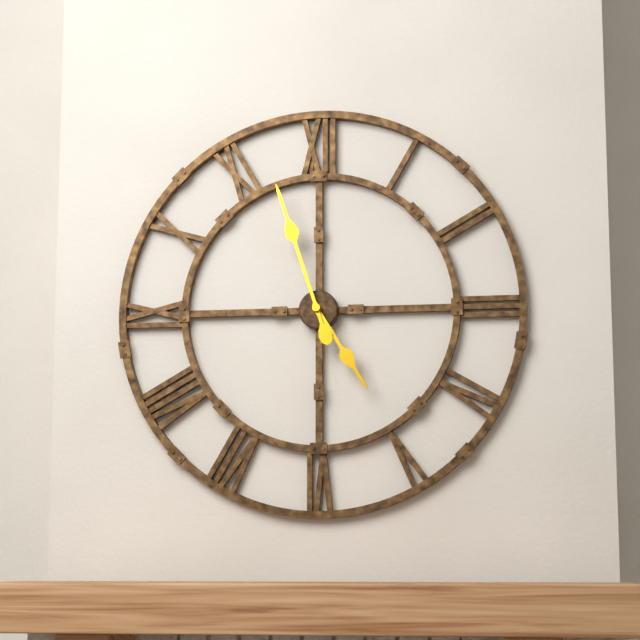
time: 4:57
